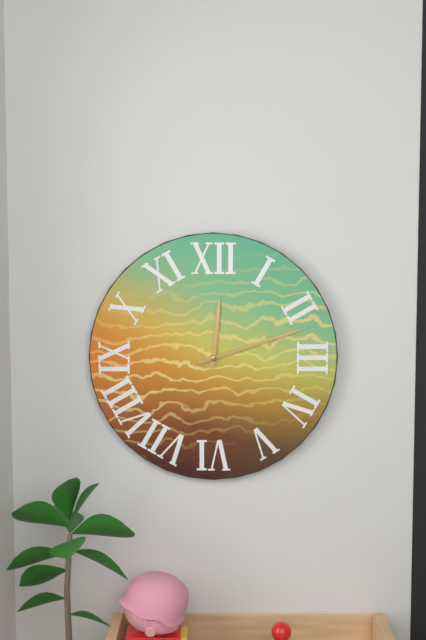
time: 12:12
